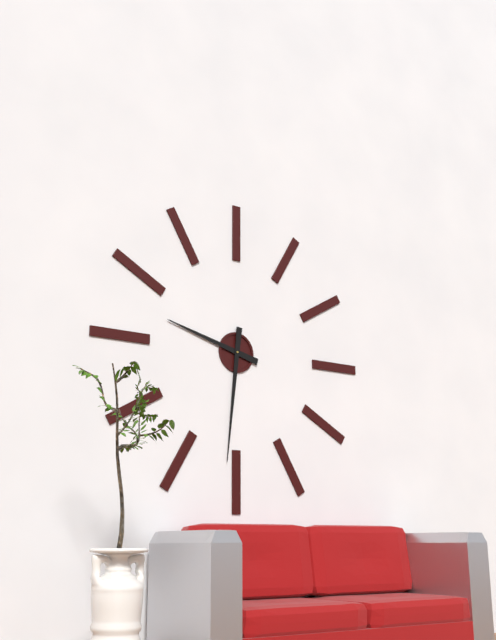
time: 9:31
